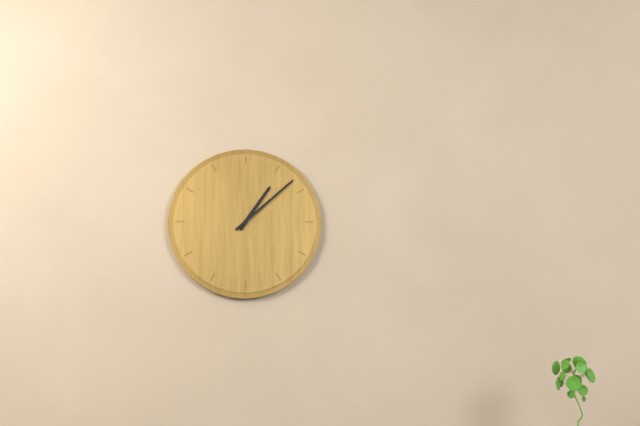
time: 1:08
